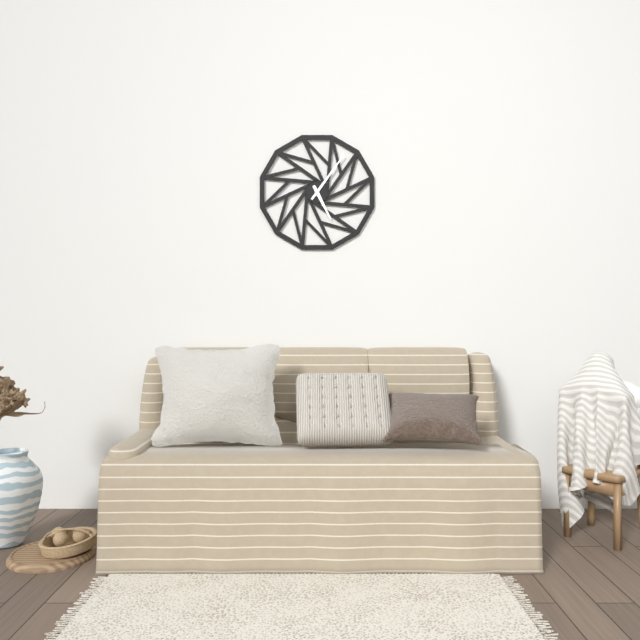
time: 5:06
